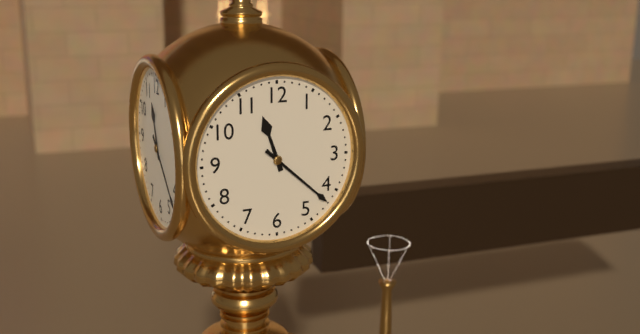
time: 11:22
